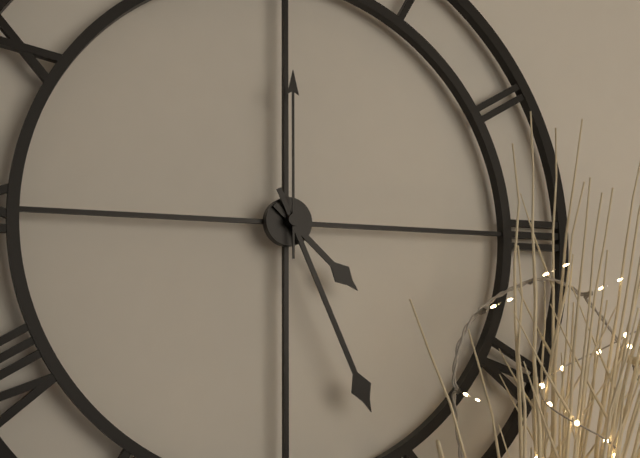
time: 4:26:00
